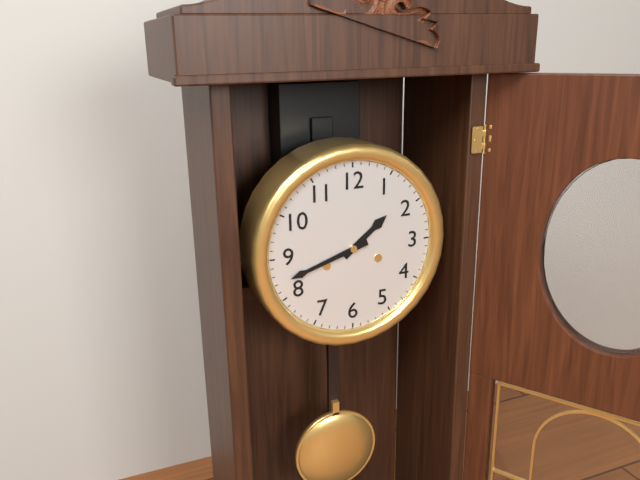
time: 1:42
